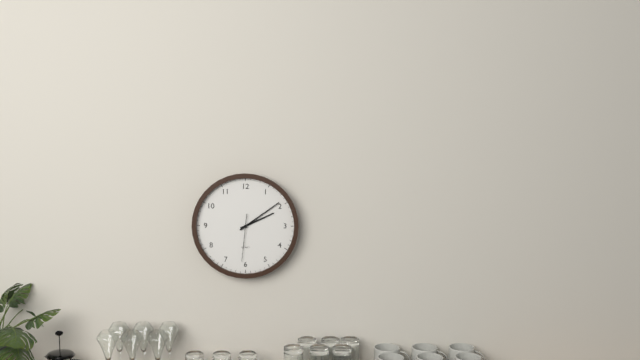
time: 2:09
